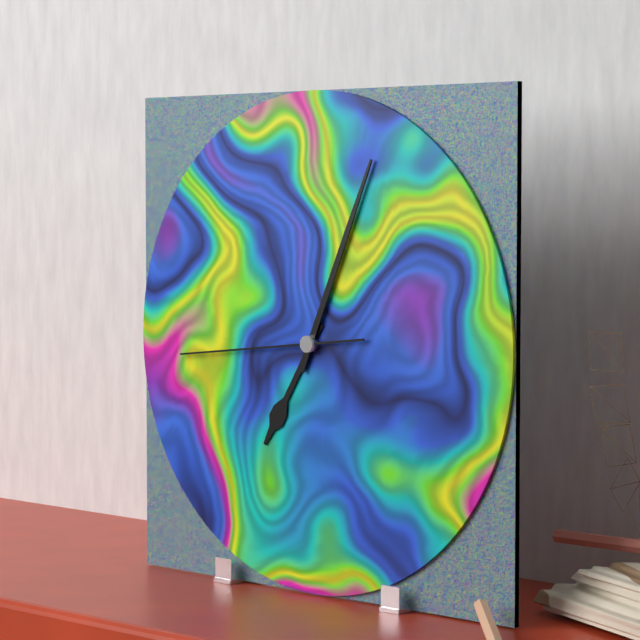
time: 7:04:44
